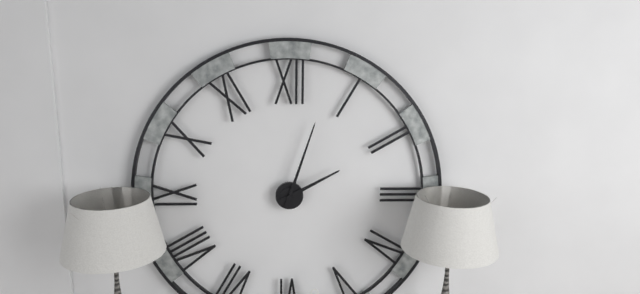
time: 2:03
